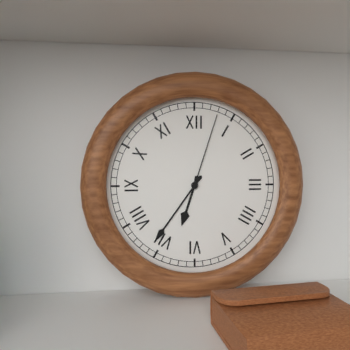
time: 6:36:03
